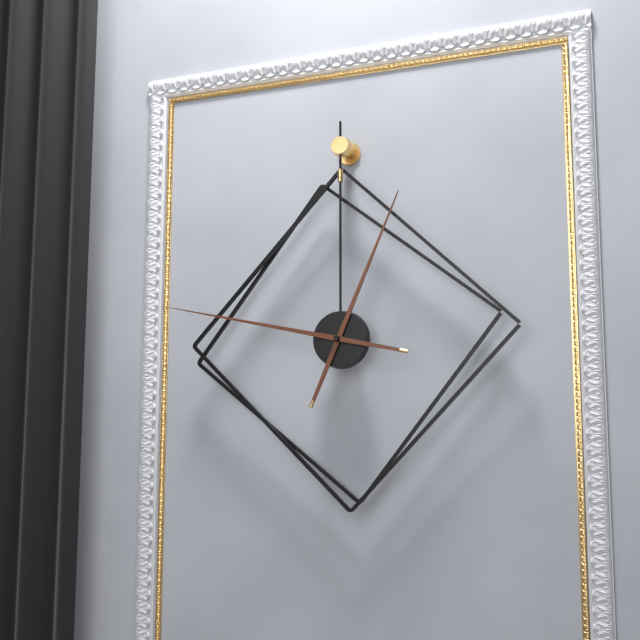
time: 12:47
